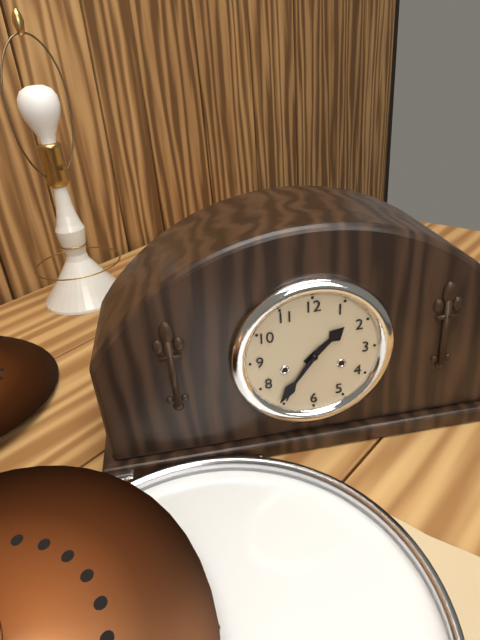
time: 1:36
